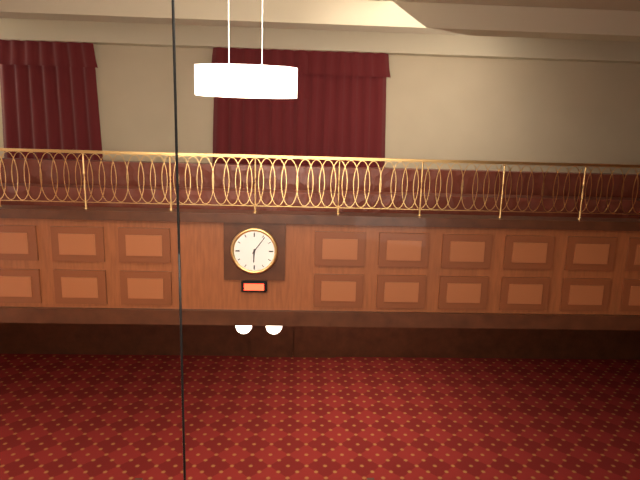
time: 6:06
